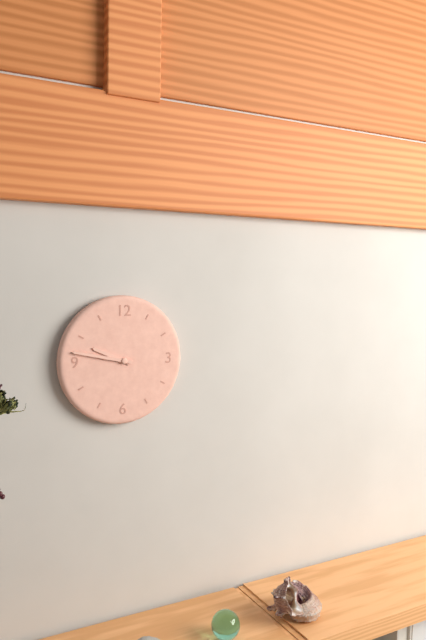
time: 9:47
